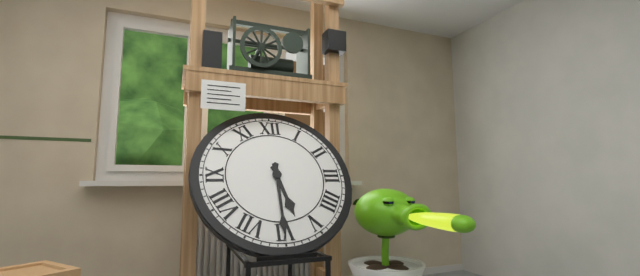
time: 5:30
